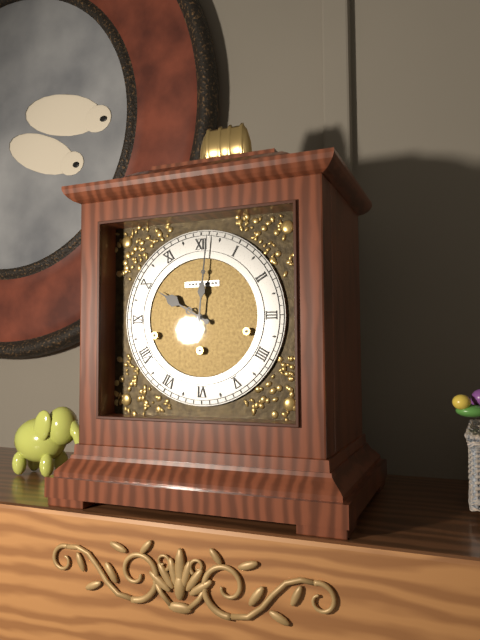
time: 10:01
